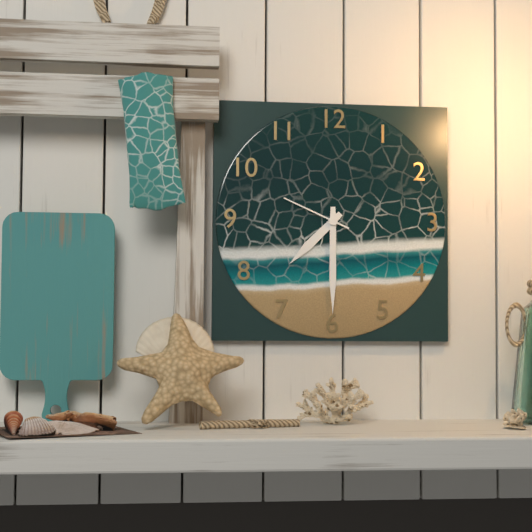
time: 7:30:49
